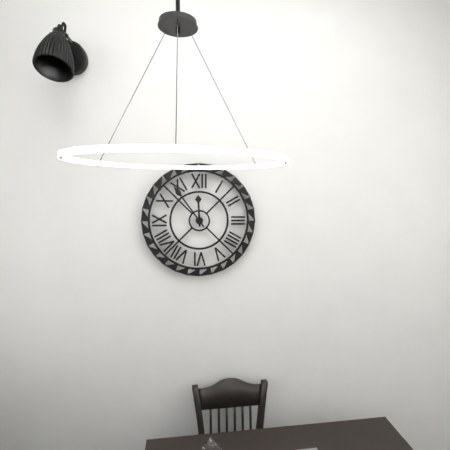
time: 11:54
